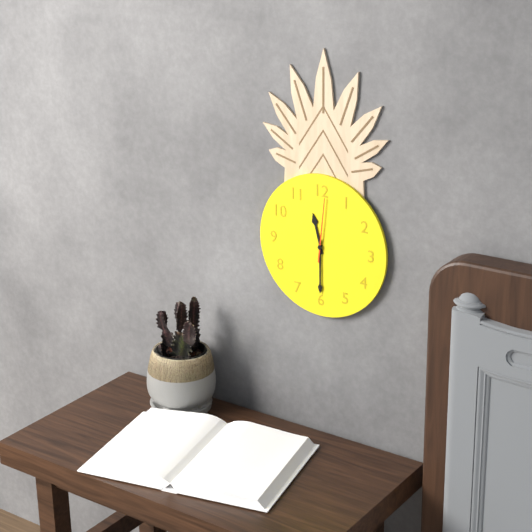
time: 11:30:01
